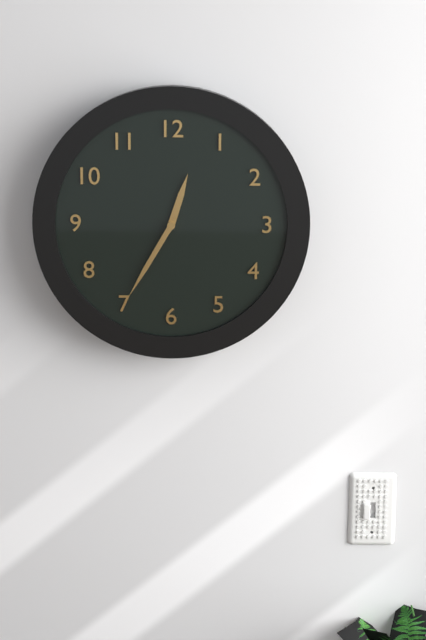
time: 12:35
